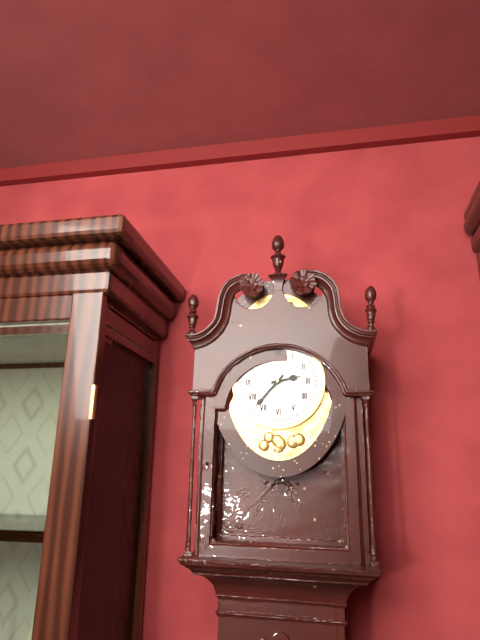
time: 2:37
